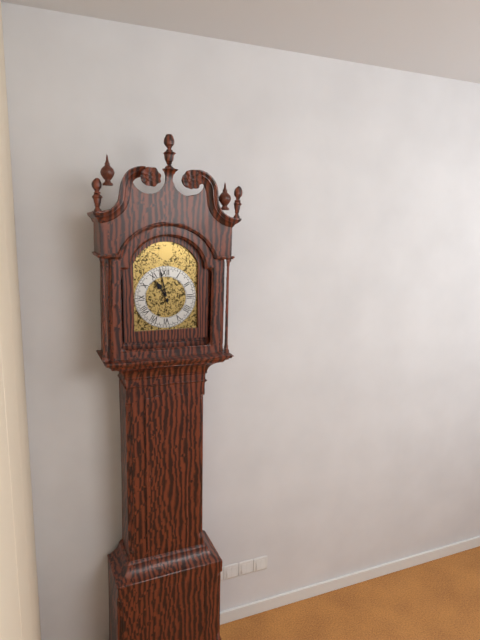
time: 10:58
